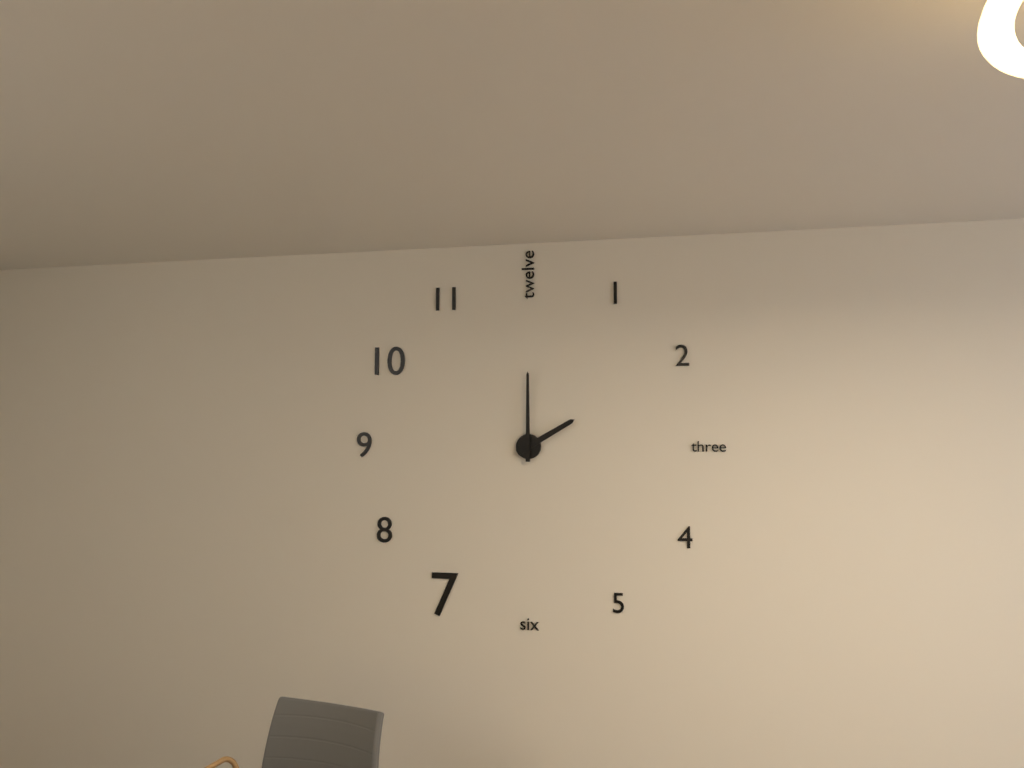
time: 2:00
